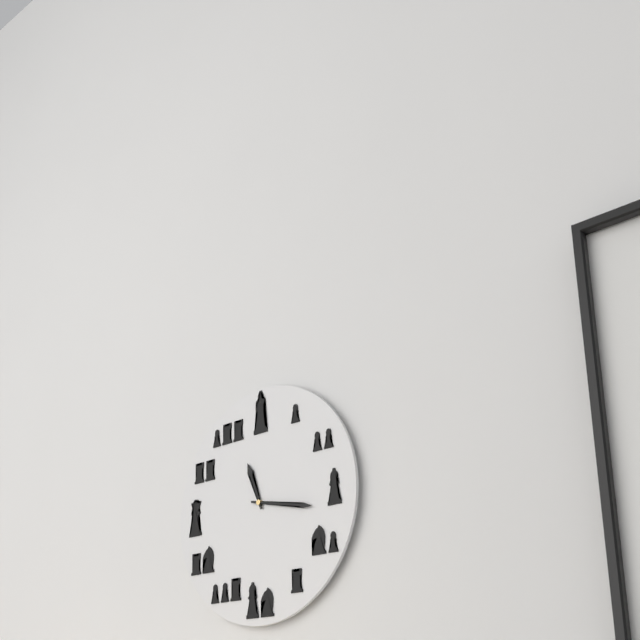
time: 11:17
